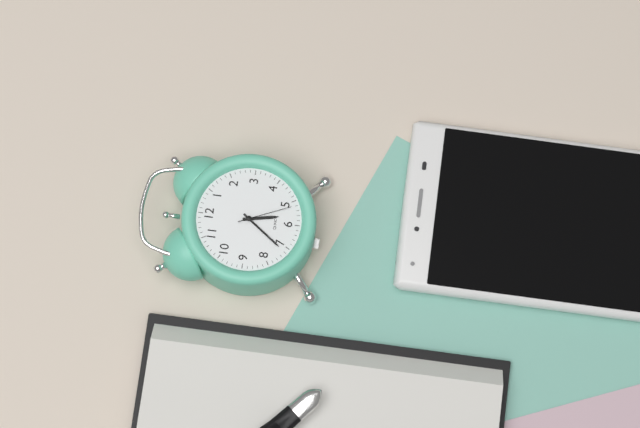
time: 5:36:26
